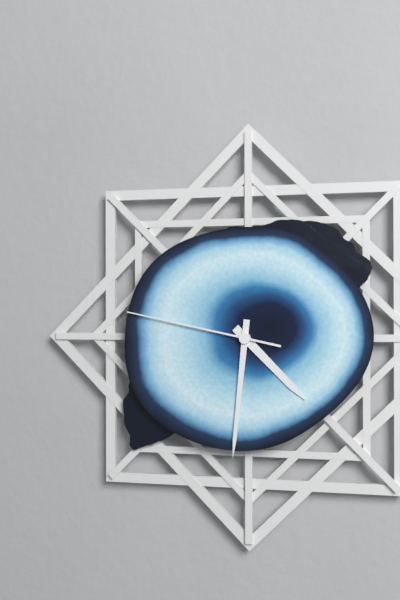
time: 4:31:47
